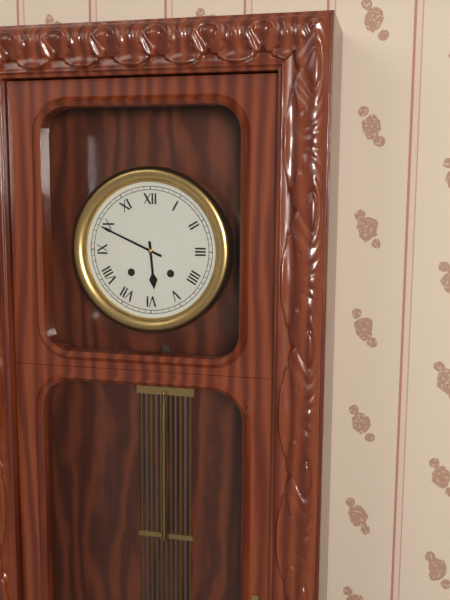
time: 5:49
